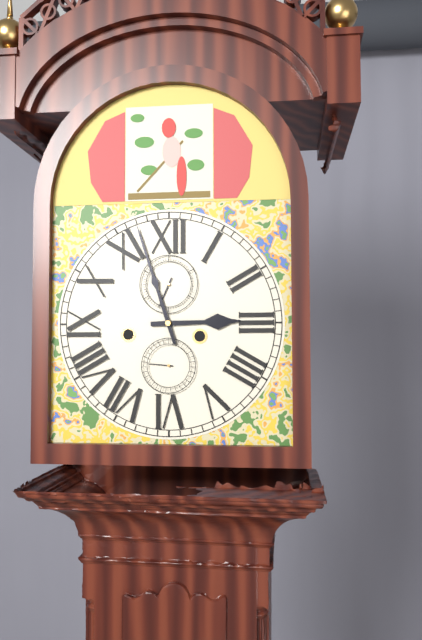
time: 2:57
